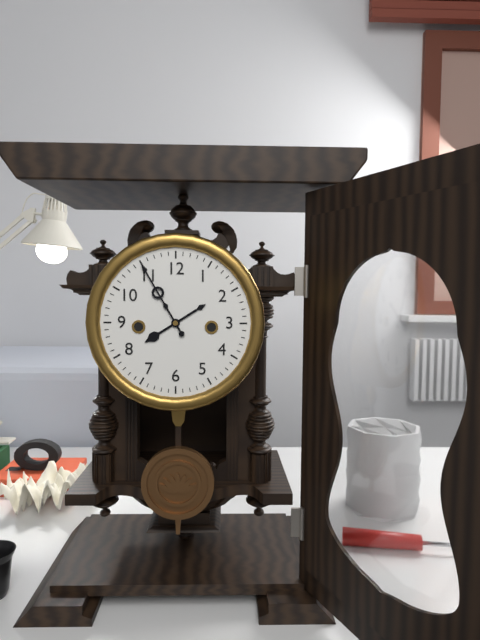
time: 7:55
